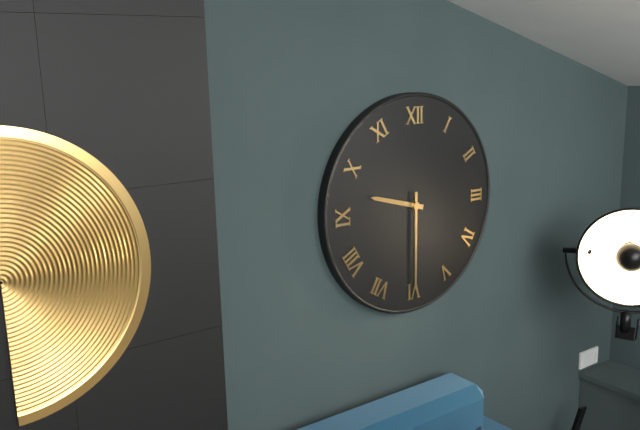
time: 9:30
